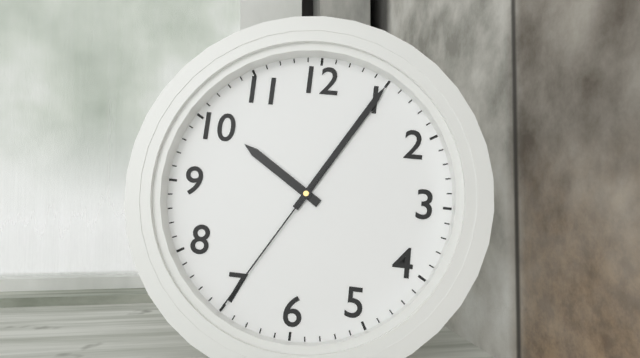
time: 10:05:35
